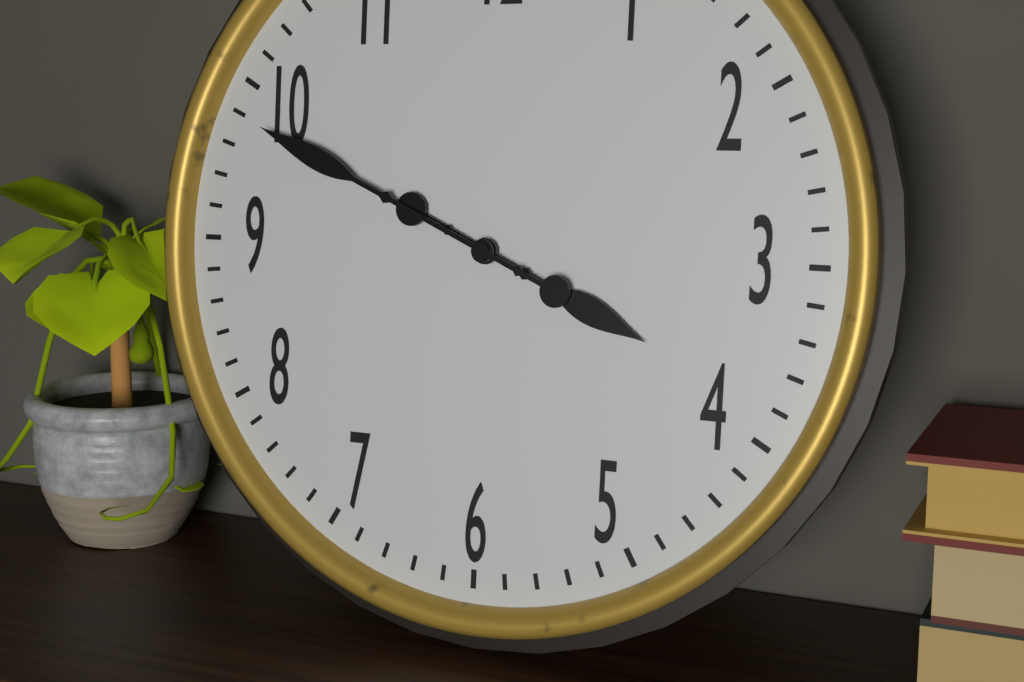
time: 3:49
